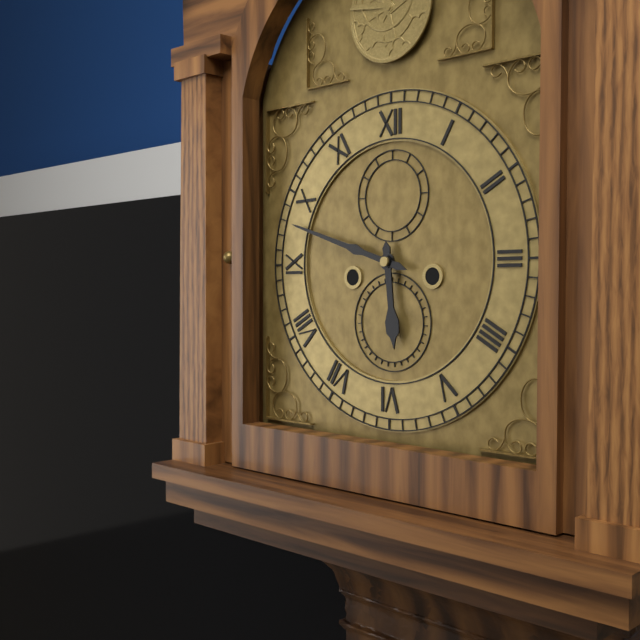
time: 5:48
